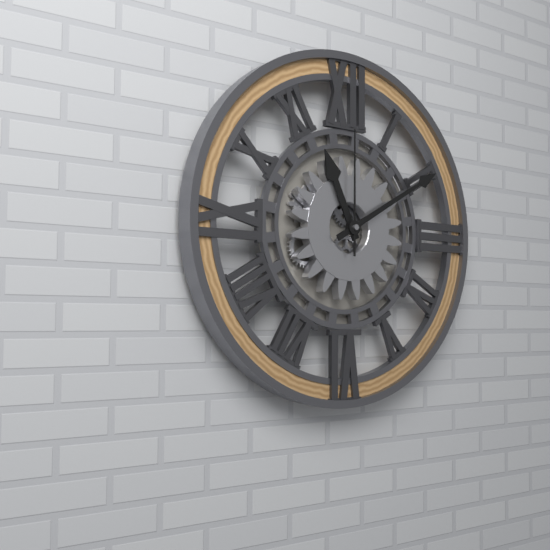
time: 11:10:00
